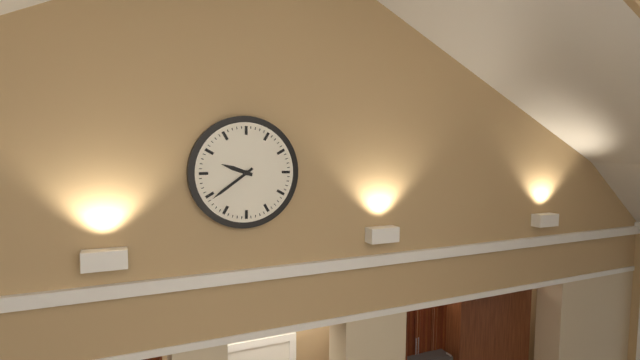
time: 9:39
